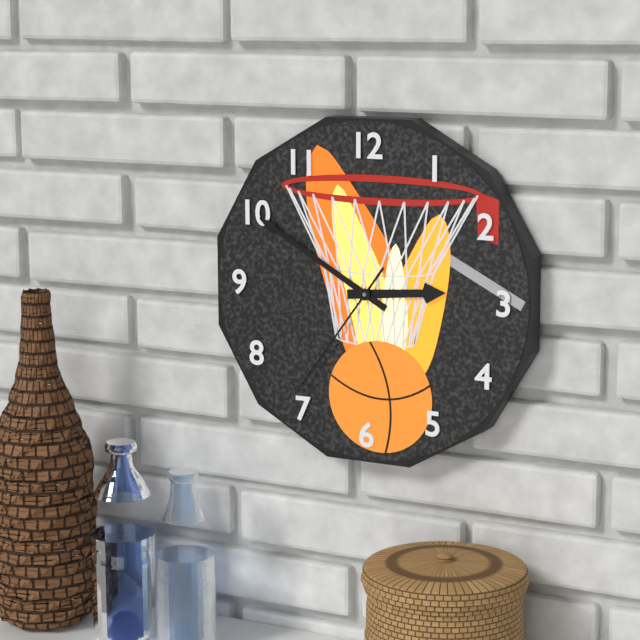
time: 2:50:36
